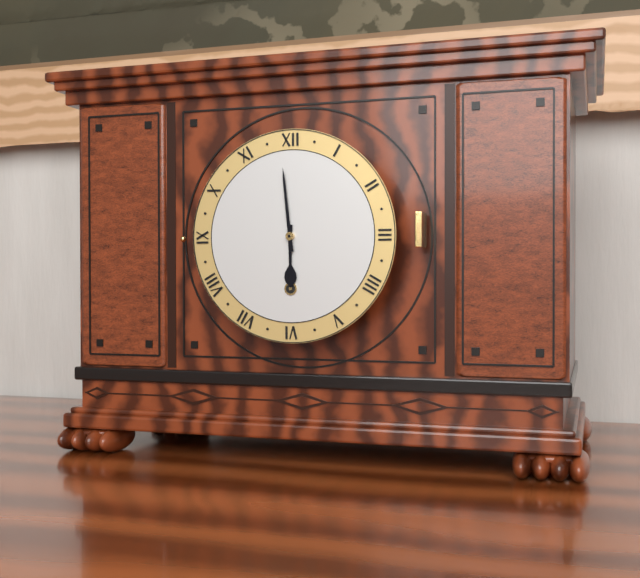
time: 5:59
